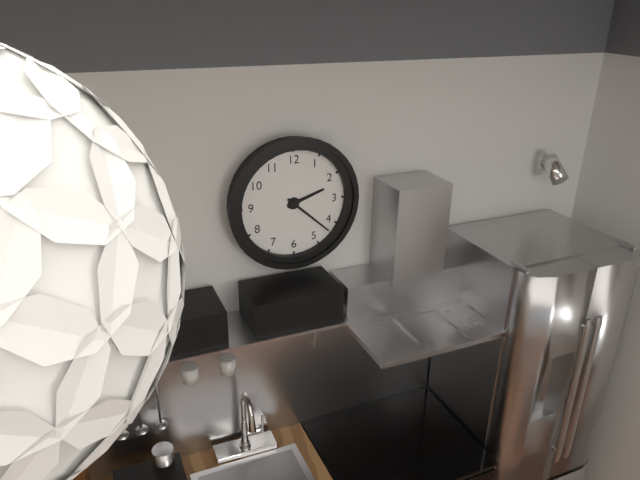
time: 2:22
